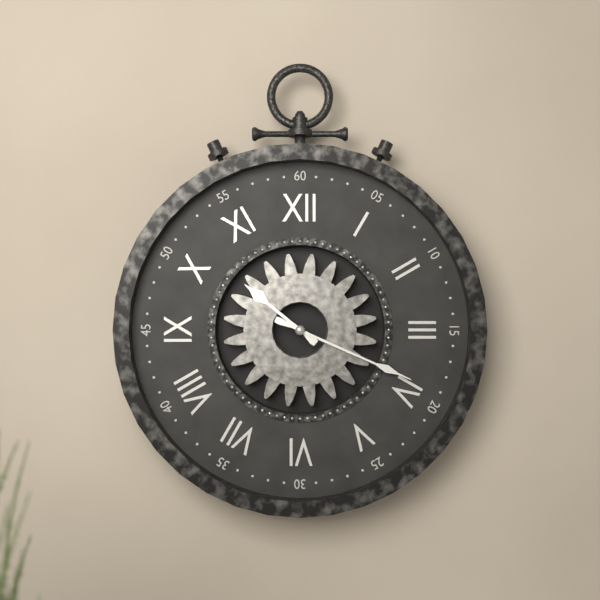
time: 10:19
